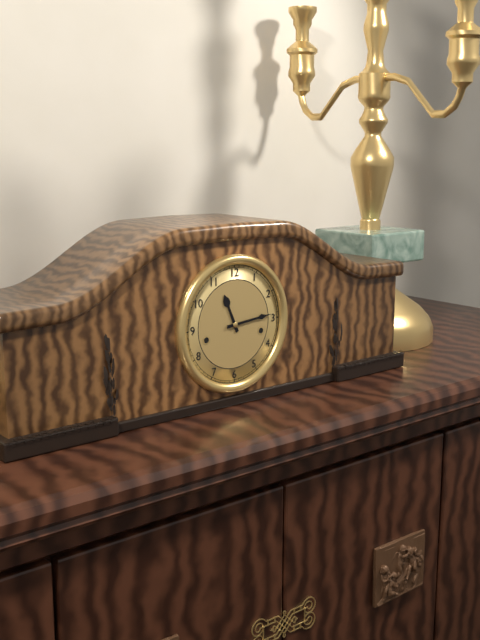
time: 11:14
